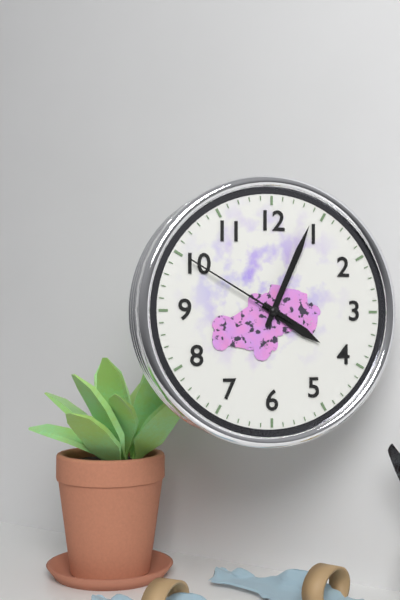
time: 4:04:50
